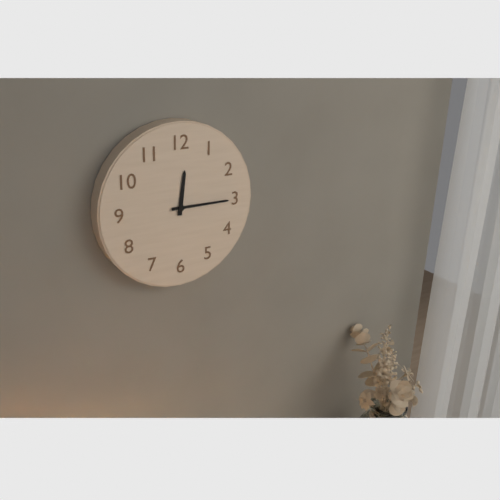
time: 12:15
